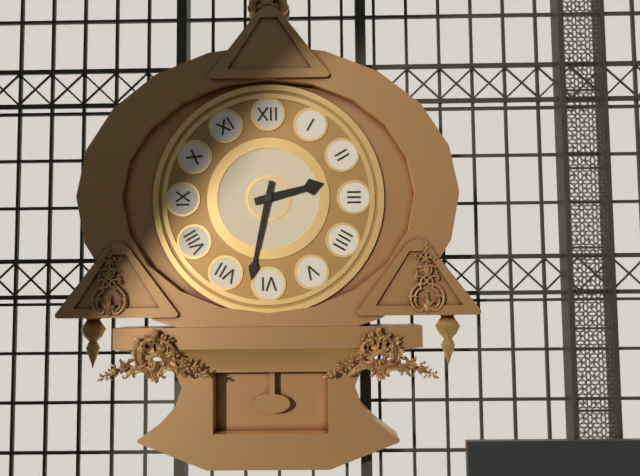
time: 2:32
